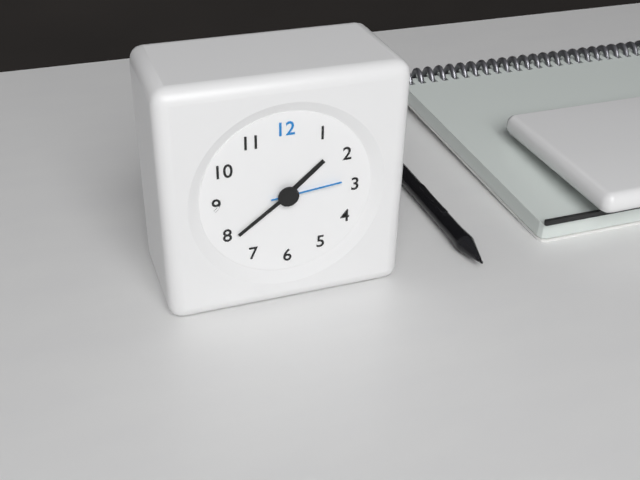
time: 1:39:14
